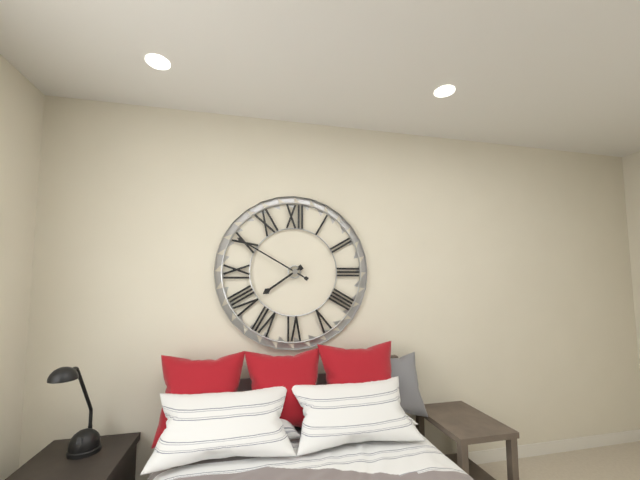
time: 7:50
